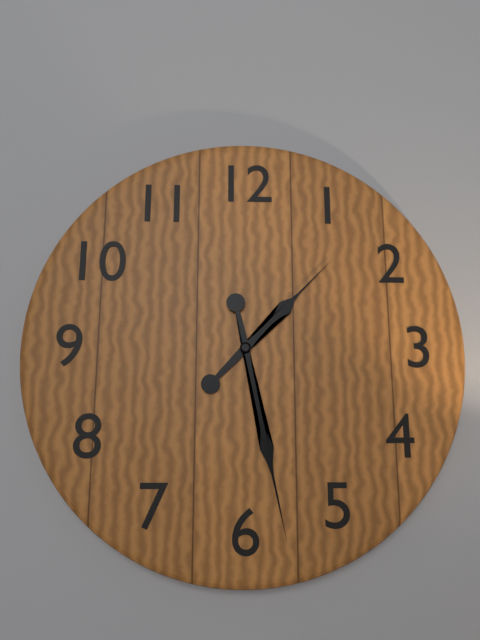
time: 1:28
